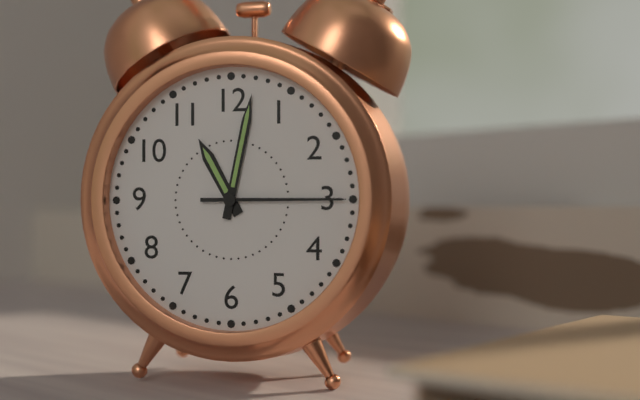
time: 11:02:15
